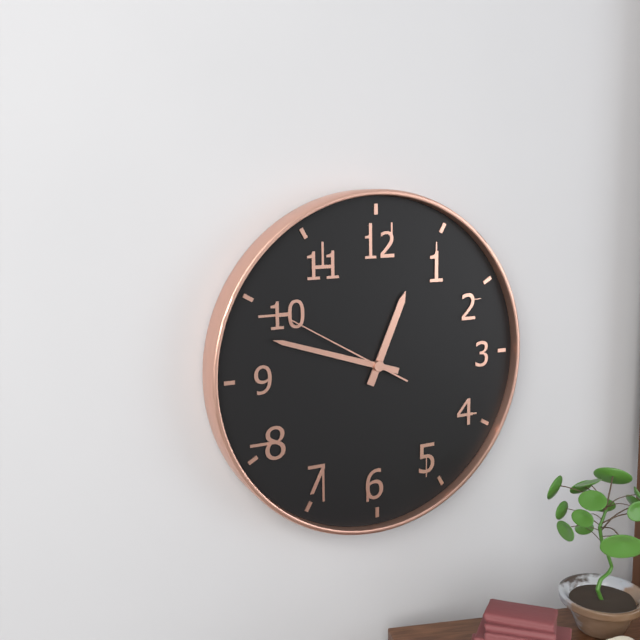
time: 12:48:50
